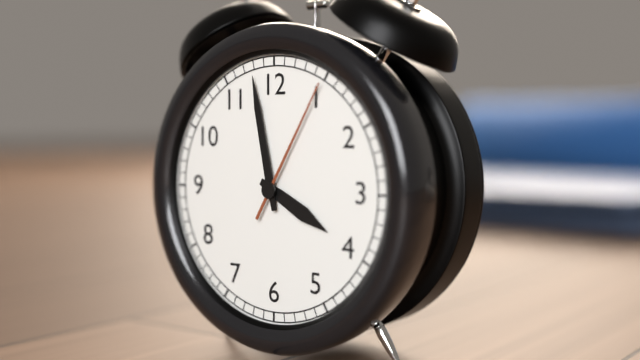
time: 3:58:05
